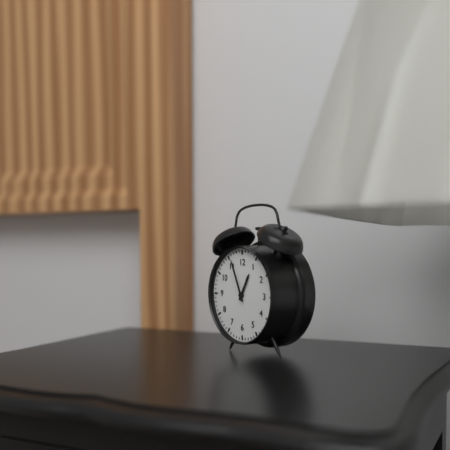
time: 12:56
